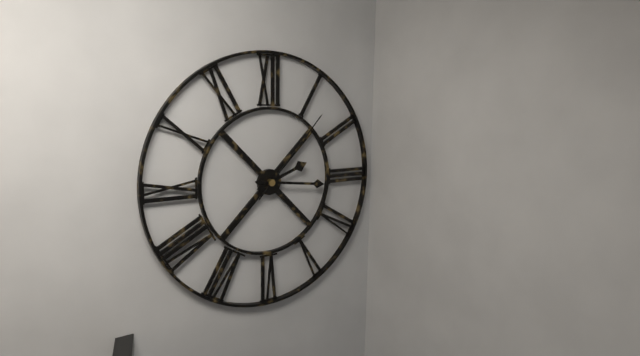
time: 2:16:07
